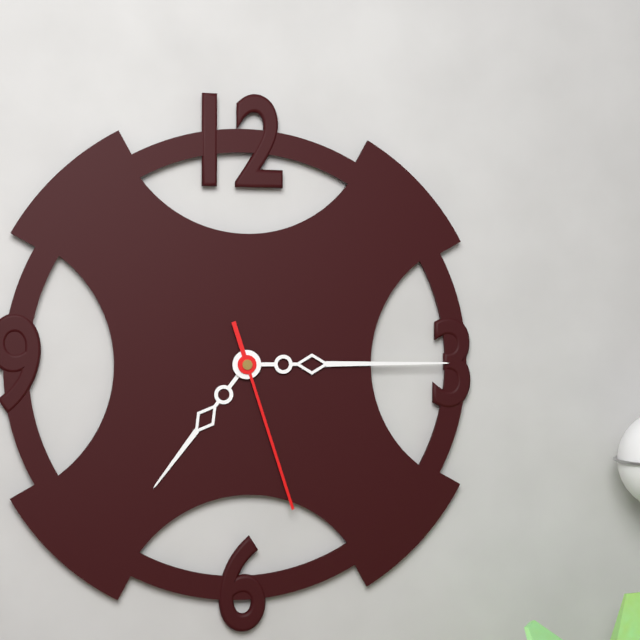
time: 7:15:27
